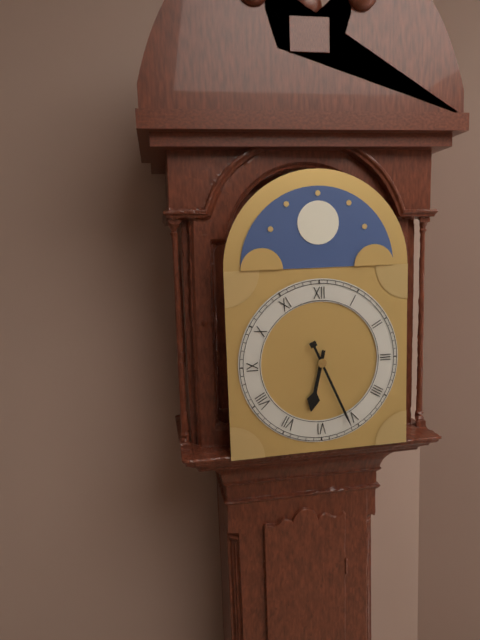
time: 6:26
